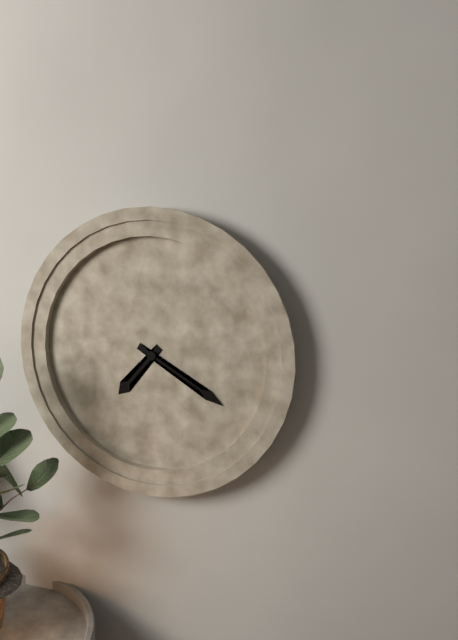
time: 7:20
